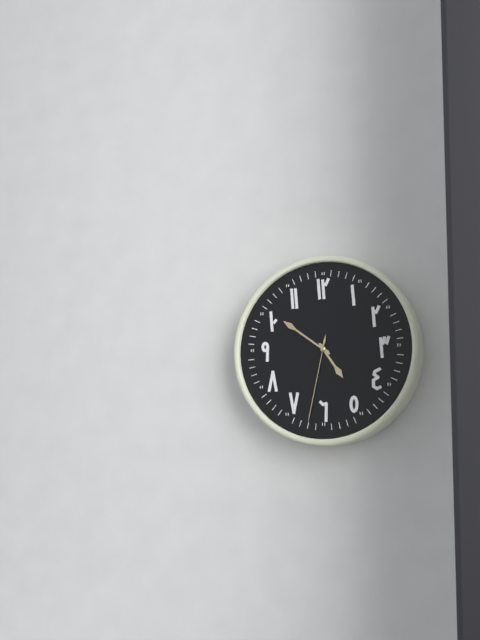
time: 4:51:32
